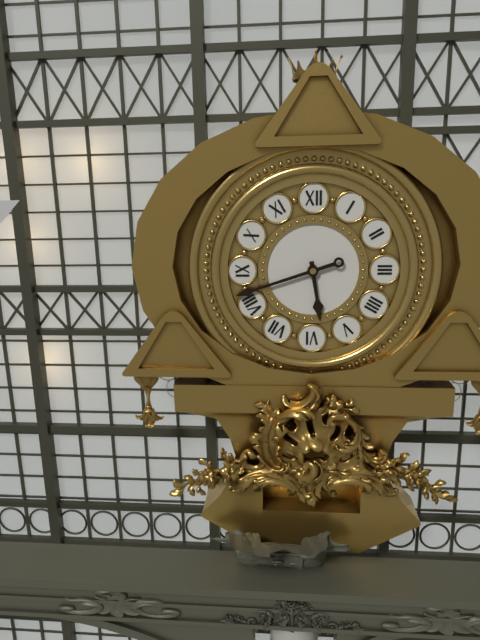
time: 5:42
